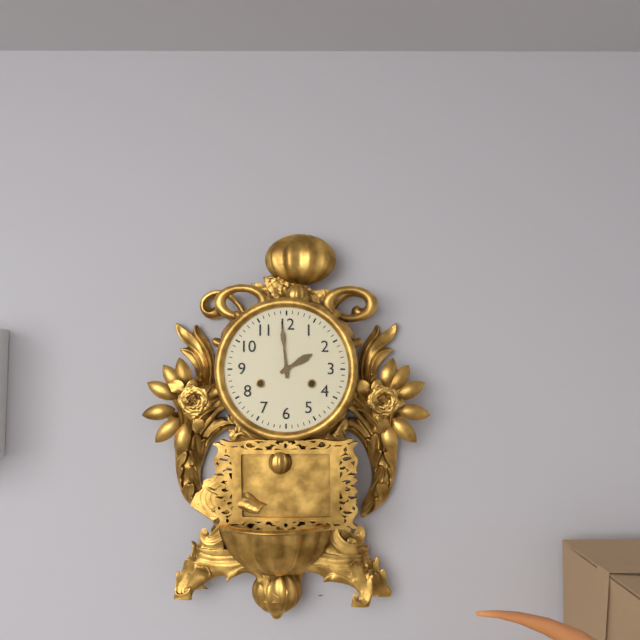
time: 1:59
